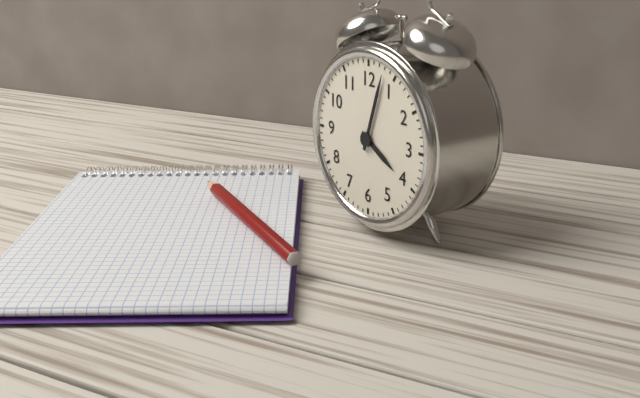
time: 4:03
